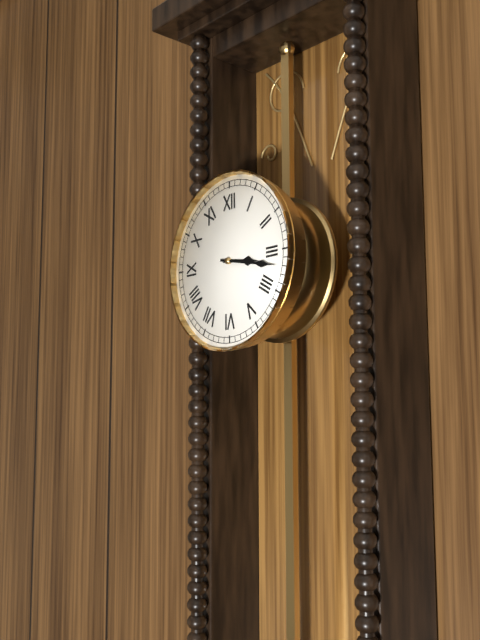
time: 3:17
